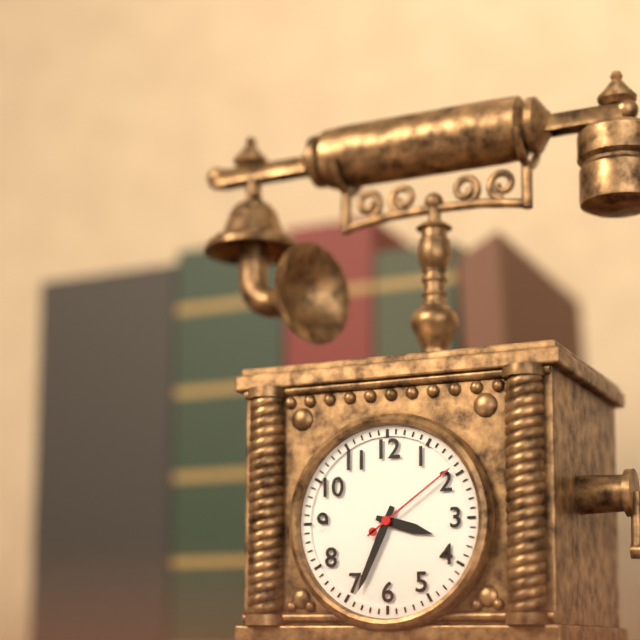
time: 3:34:09
